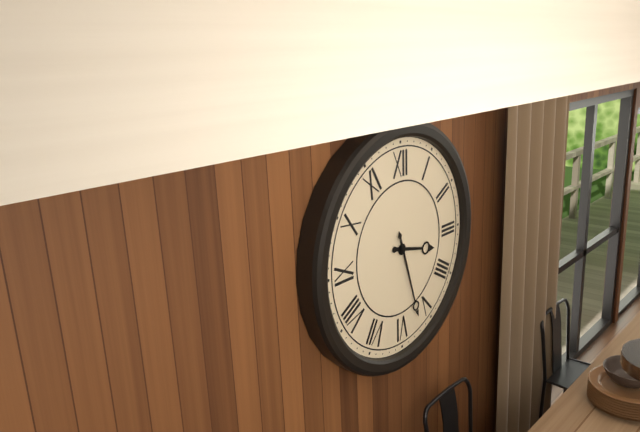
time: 3:27
